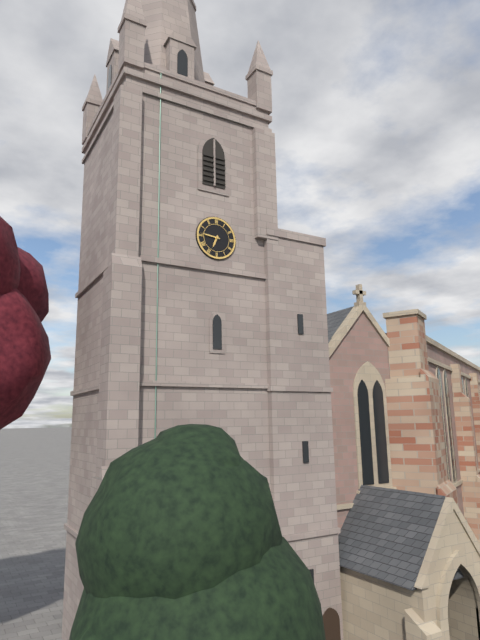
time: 6:46
